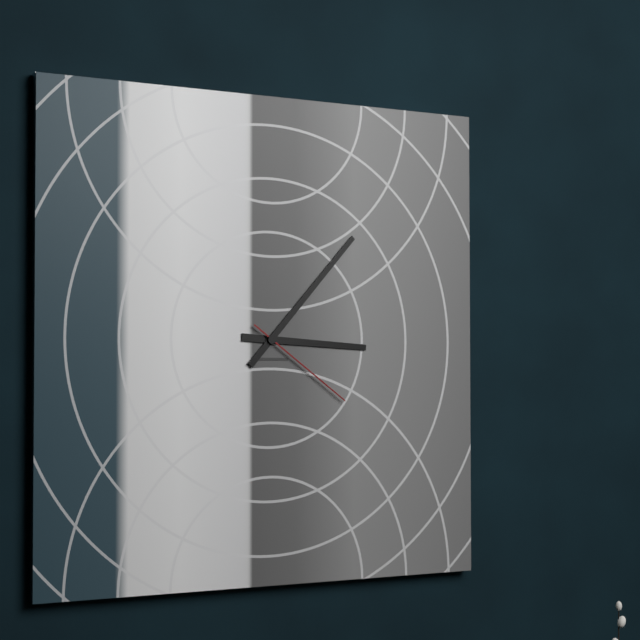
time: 3:07:21
